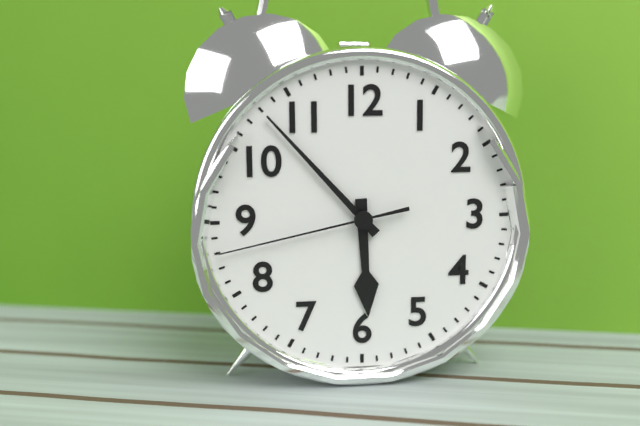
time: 5:53:43
